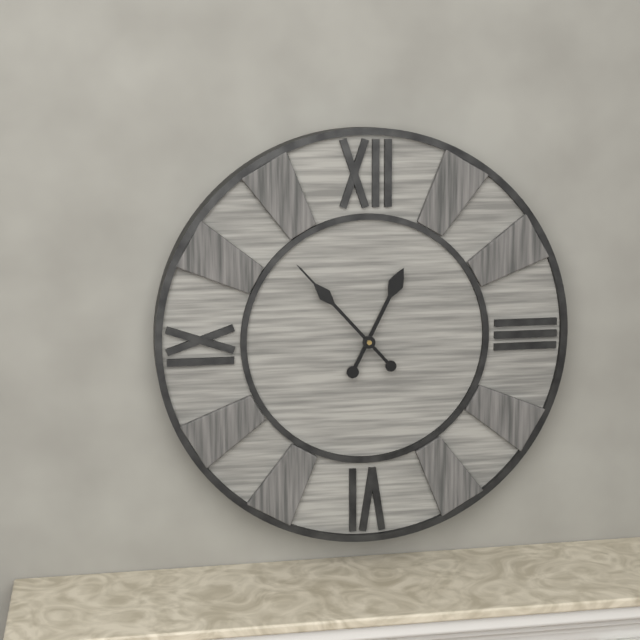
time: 12:53
